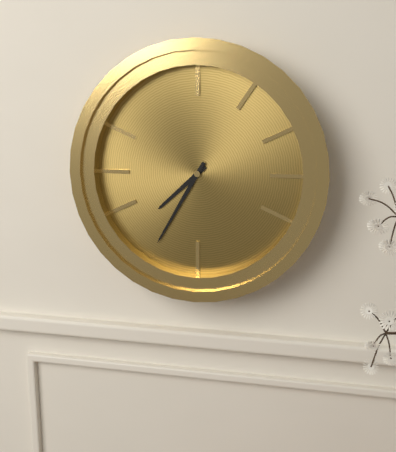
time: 7:35
